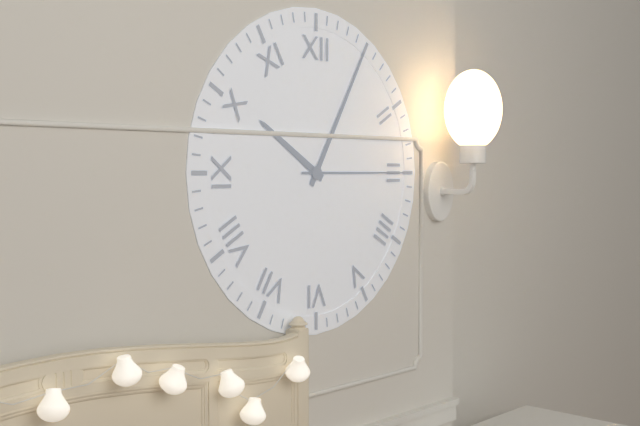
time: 10:05:15
